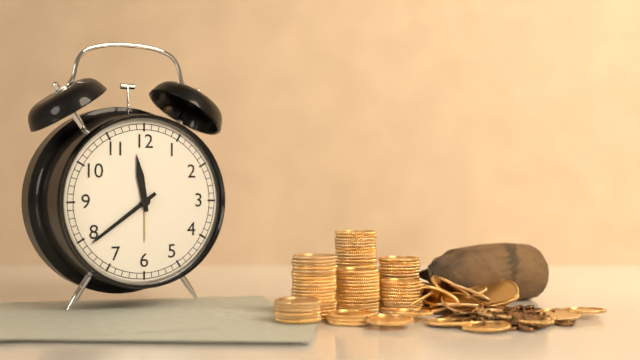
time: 11:39
